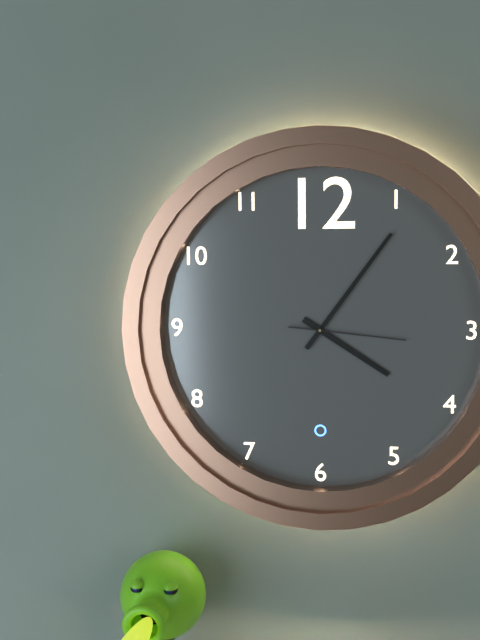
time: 4:06:16
